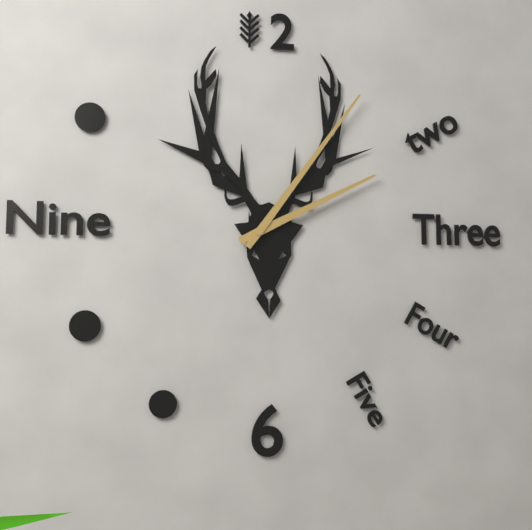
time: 2:06
